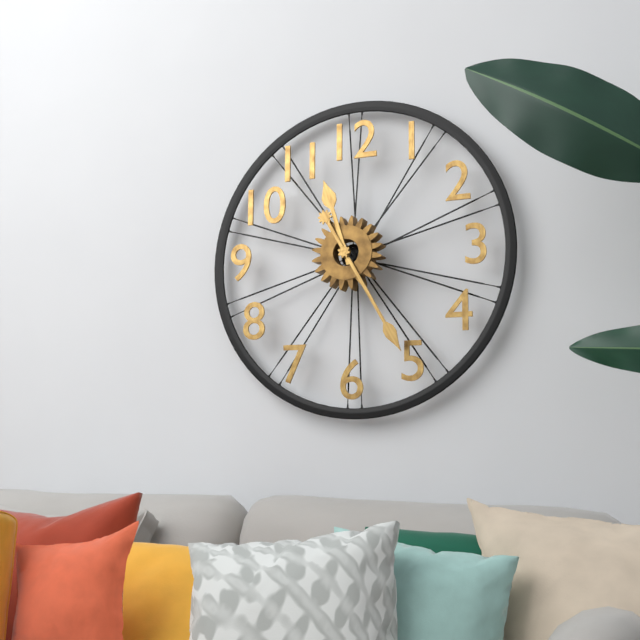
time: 11:25
